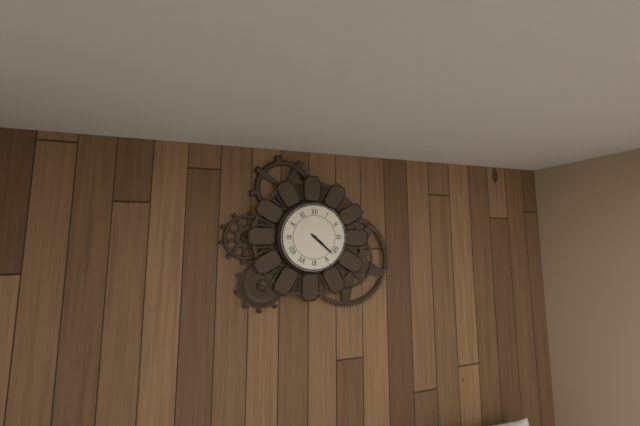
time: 4:22
